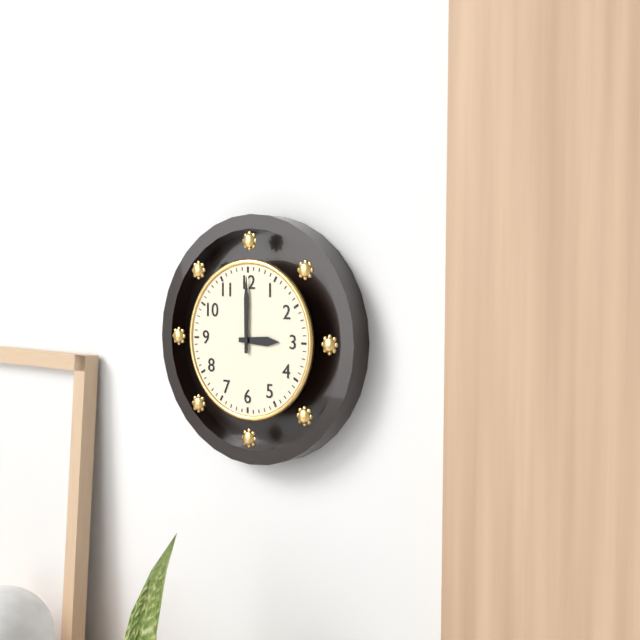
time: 3:00
